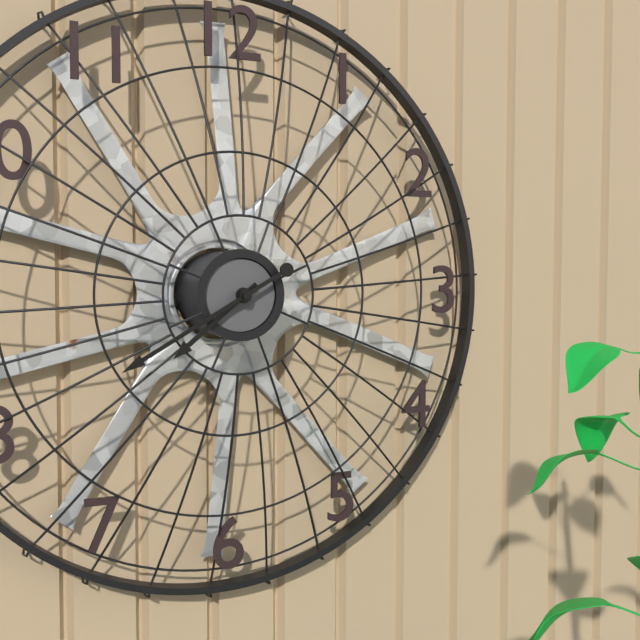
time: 7:40
